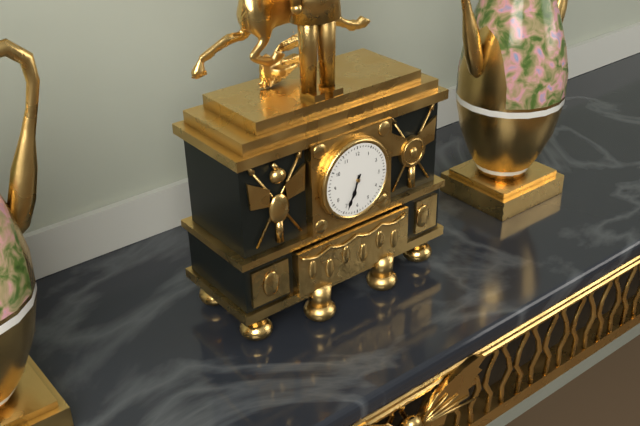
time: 6:34
